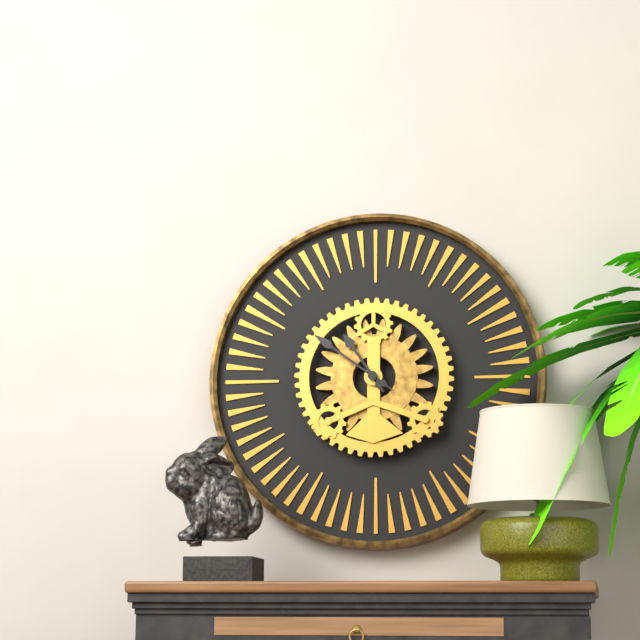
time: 10:51
